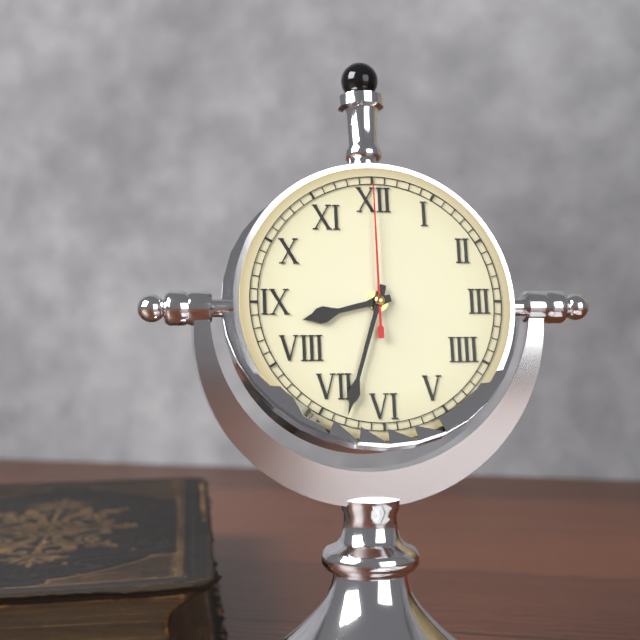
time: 8:33:00
